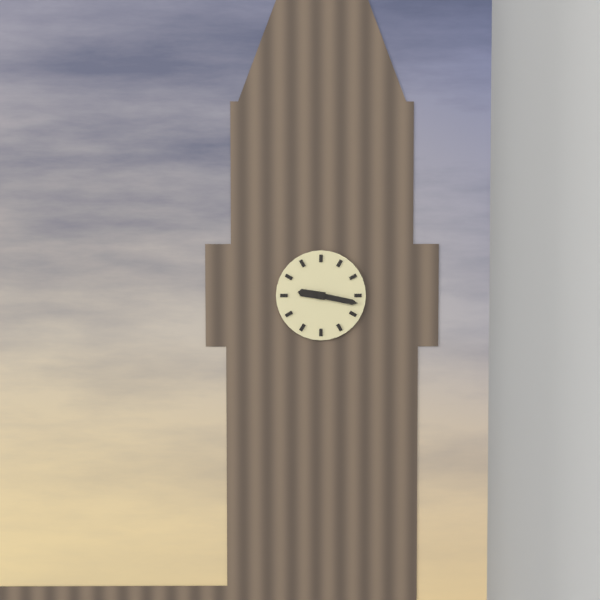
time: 9:17
